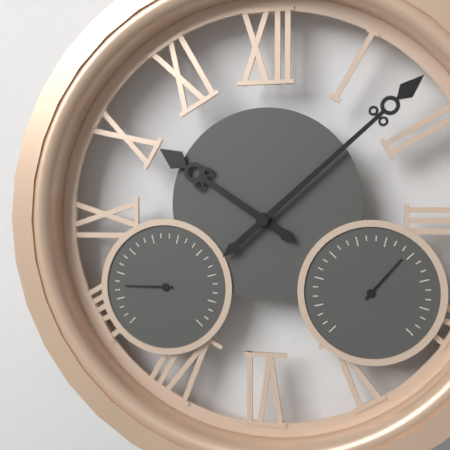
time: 10:08
